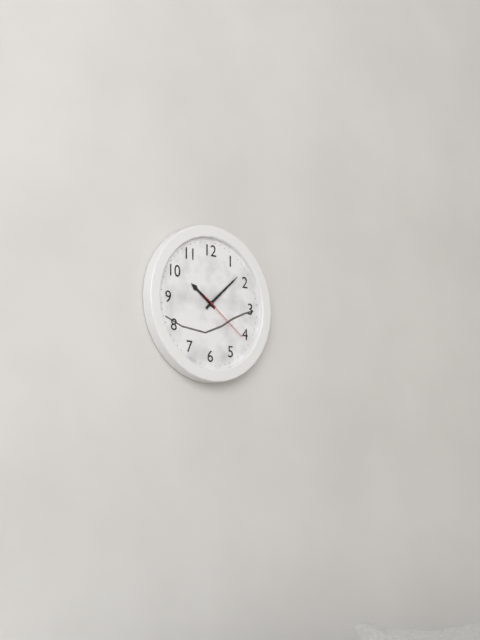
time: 10:08:21
